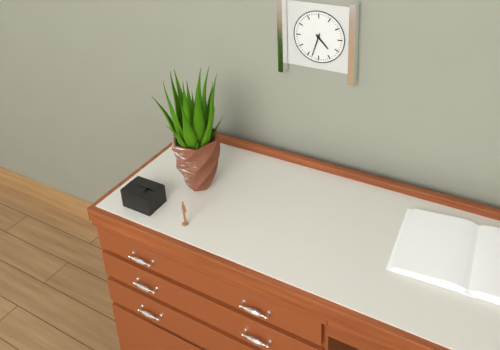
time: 4:33
